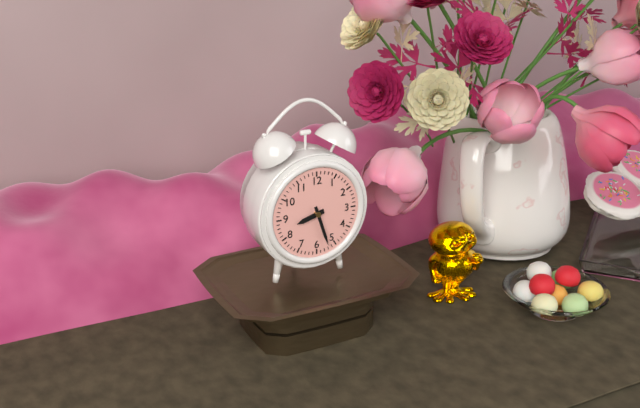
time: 8:27
